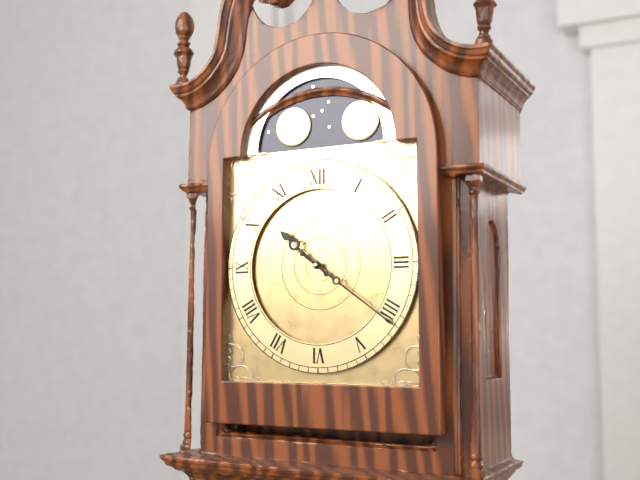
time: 10:21
